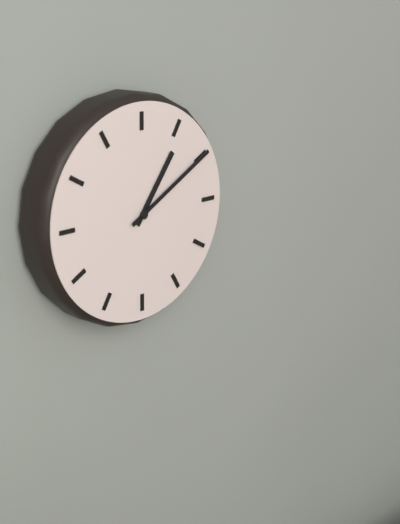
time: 1:10
